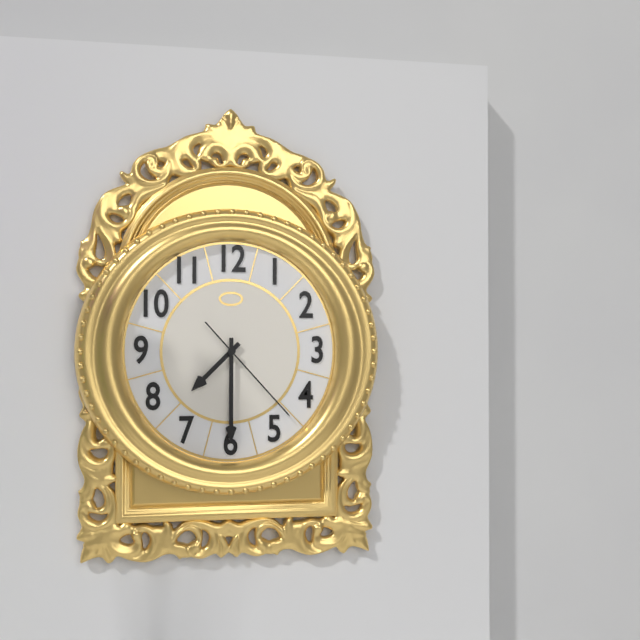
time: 7:30:23
